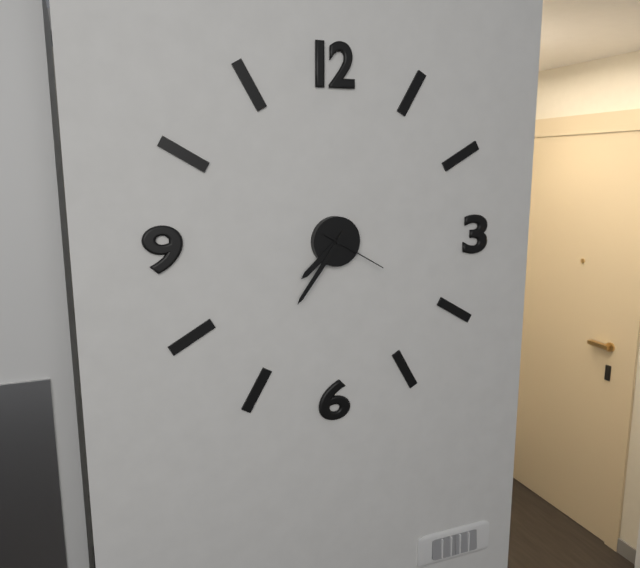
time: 7:36:20
